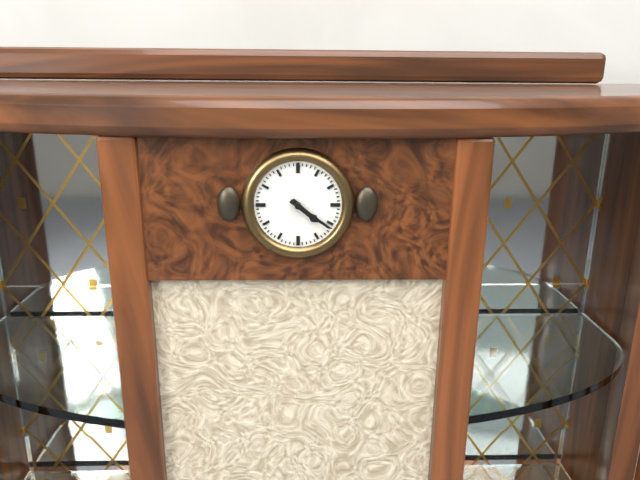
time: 4:21
